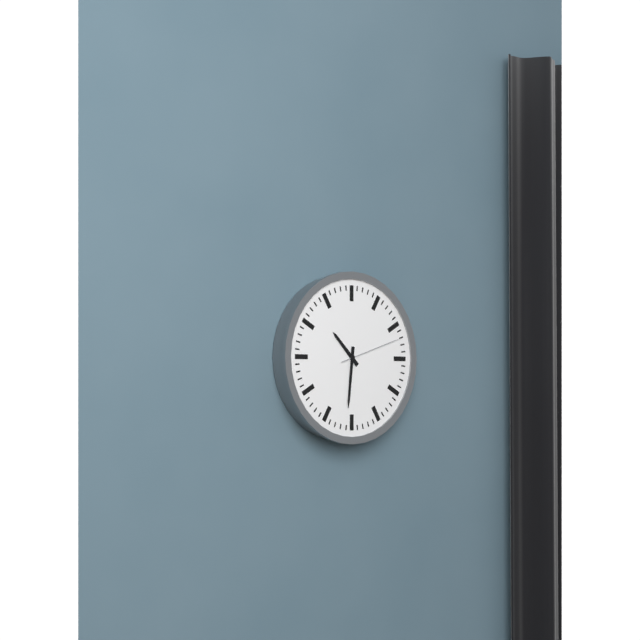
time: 10:31:12
